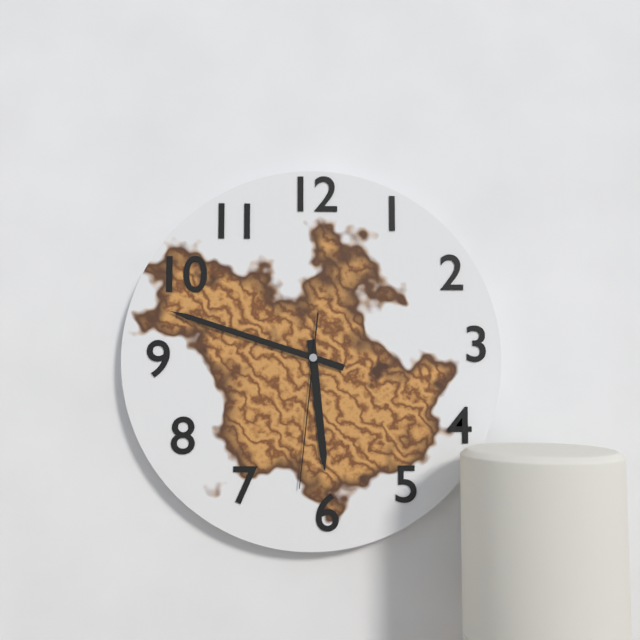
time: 5:48:31
